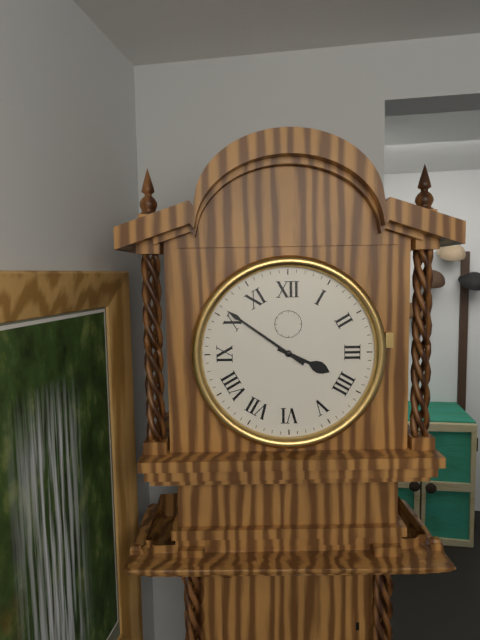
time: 3:51
